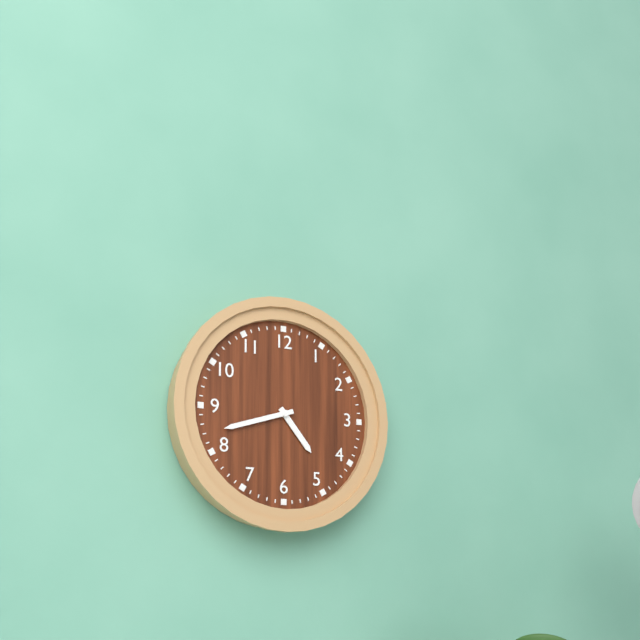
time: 4:42
